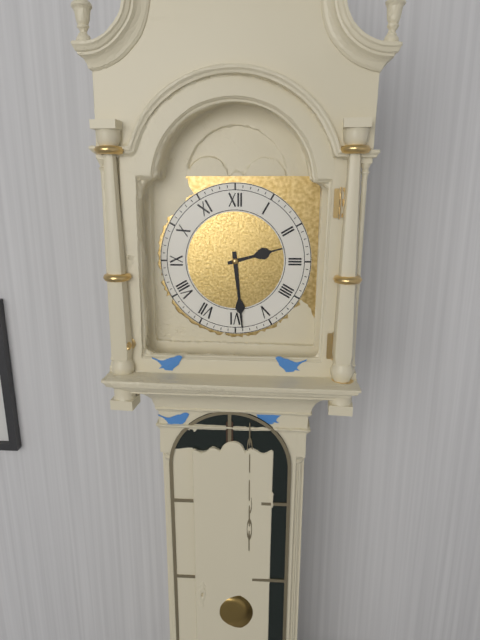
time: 2:29
